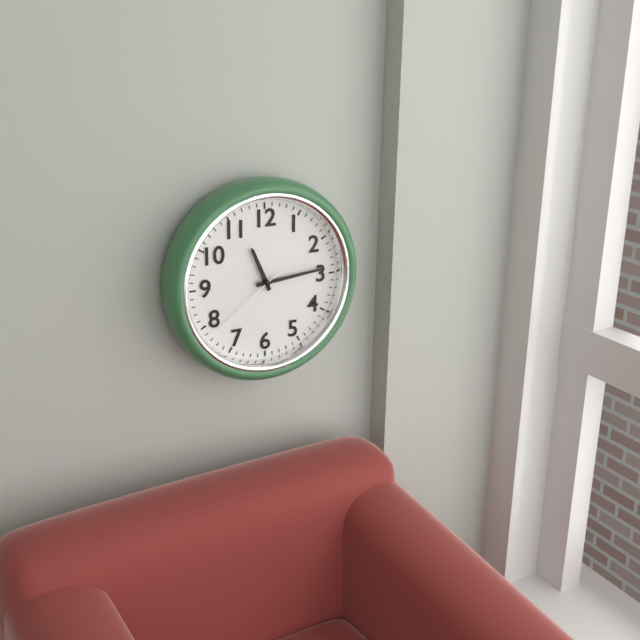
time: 11:14:39
